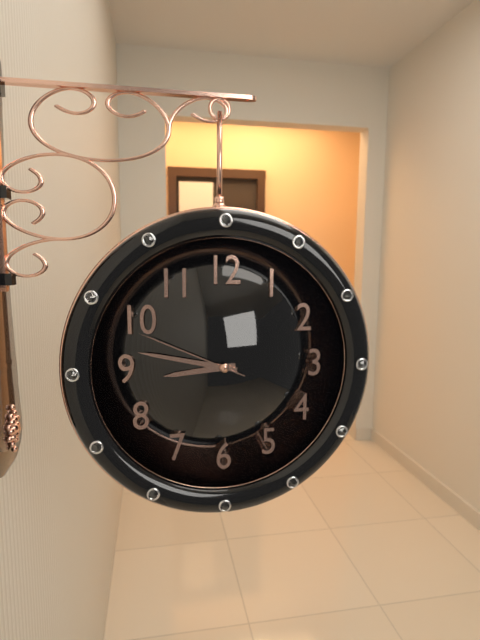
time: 8:47:49
